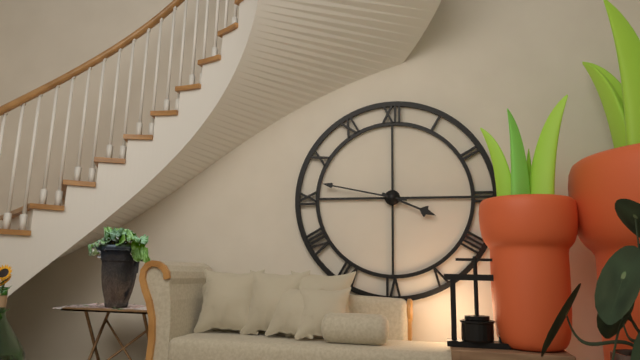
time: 3:47
